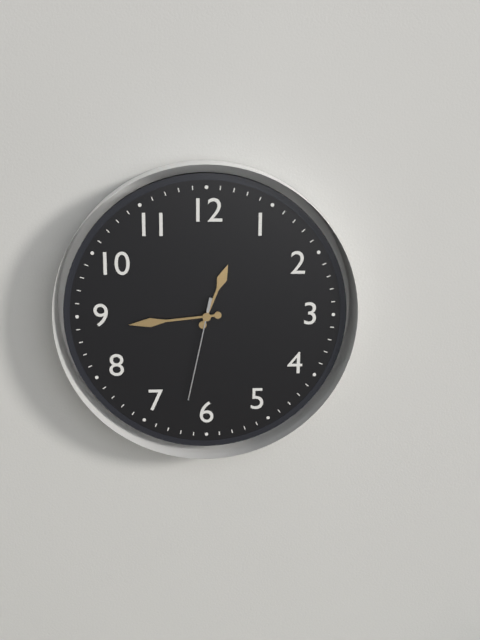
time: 12:44:32
